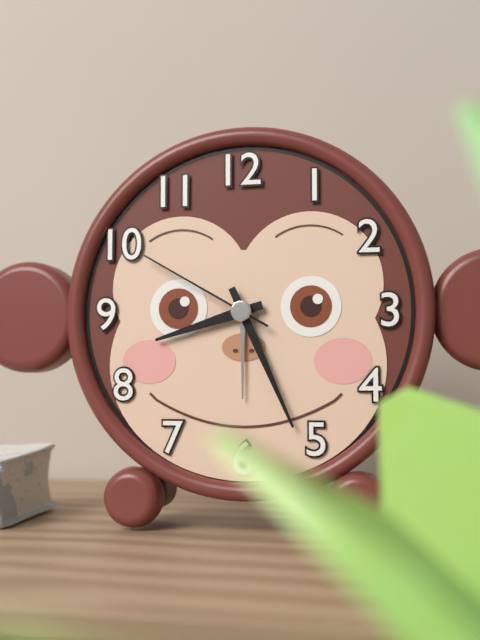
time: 8:26:50
